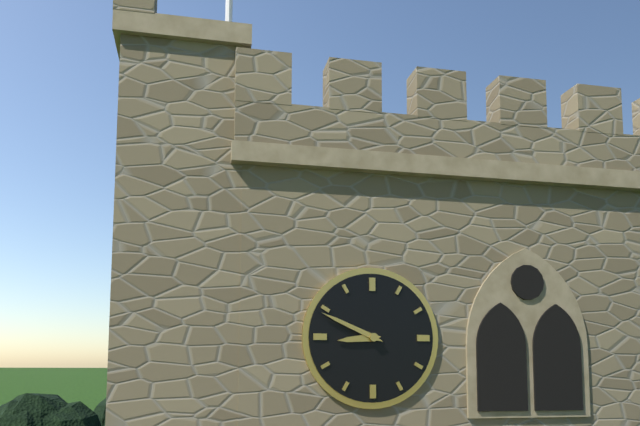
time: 8:49
